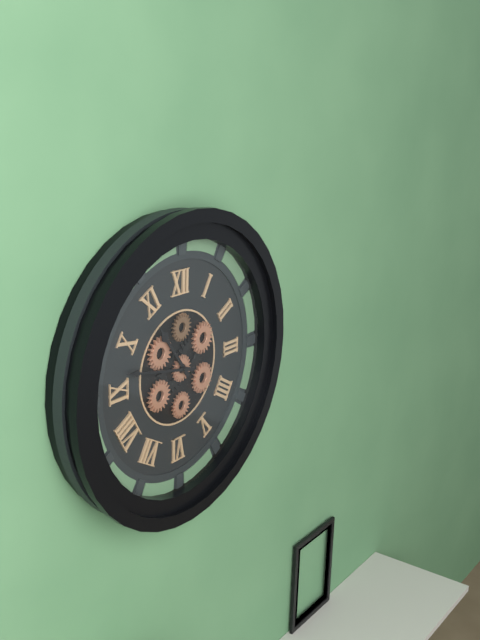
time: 10:47
